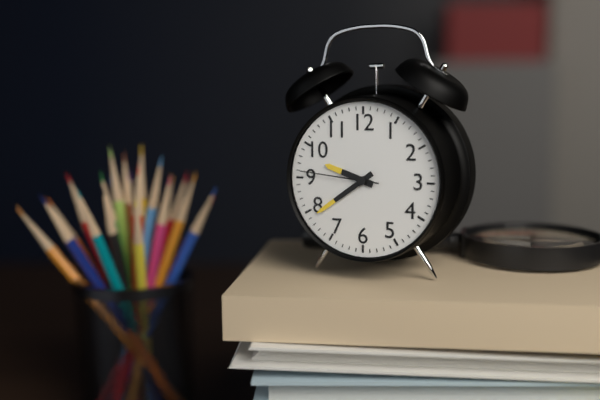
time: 9:39:46
